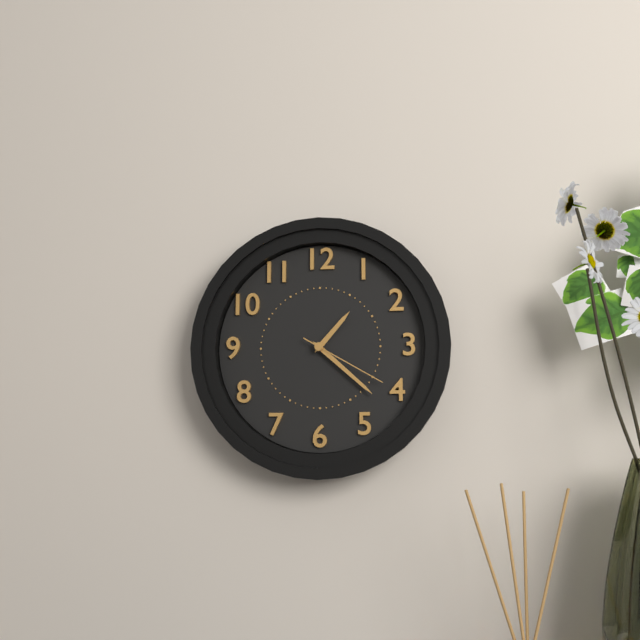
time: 1:22:20
